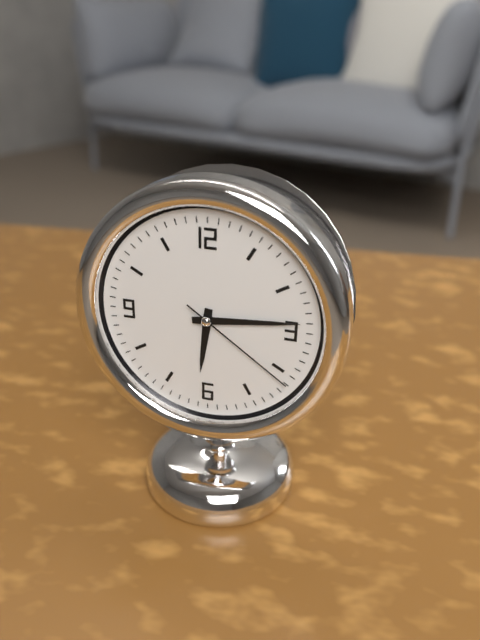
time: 6:14:21
